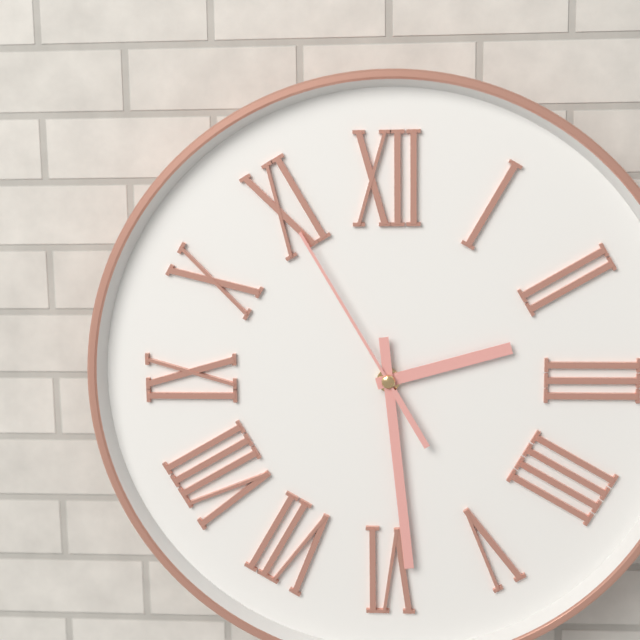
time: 2:29:55
